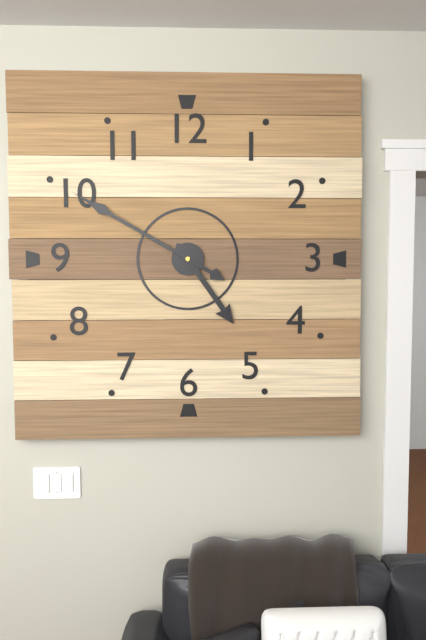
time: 4:50
